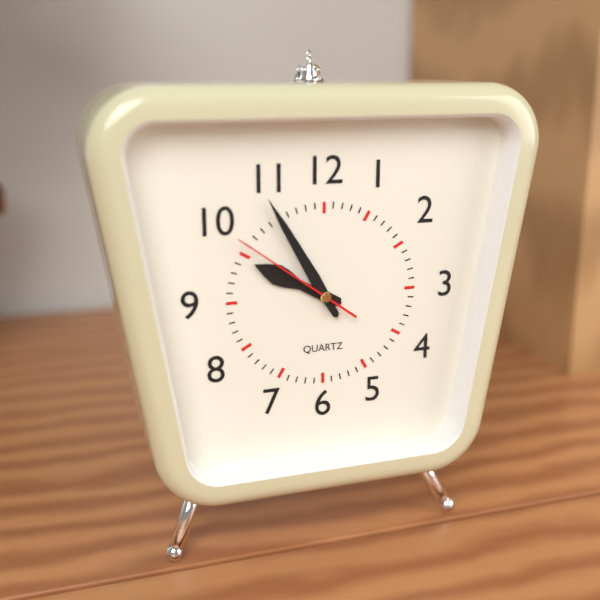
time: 9:55:51
